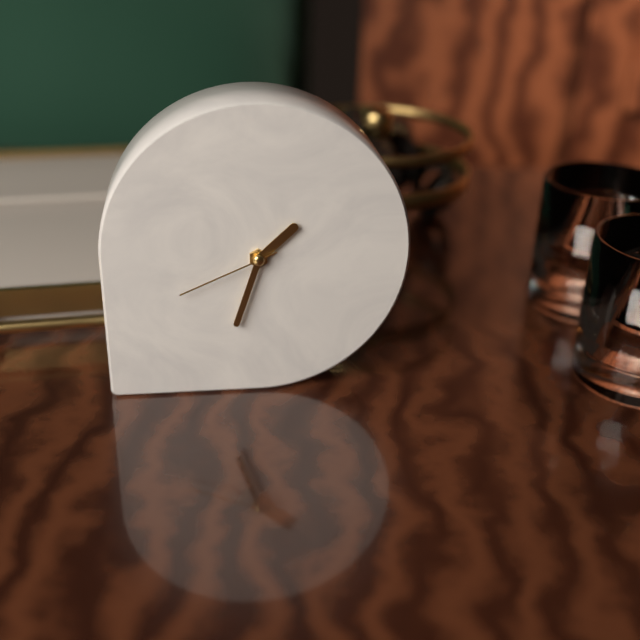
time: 1:33:41
